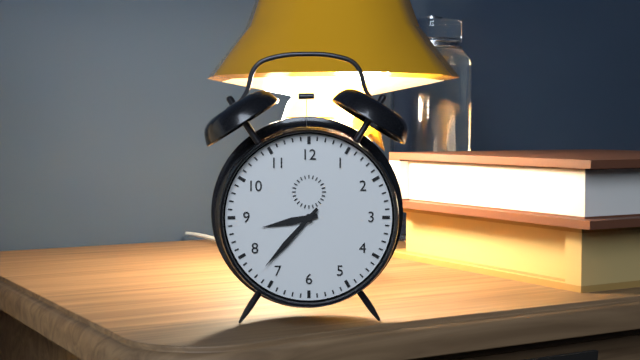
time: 8:37
